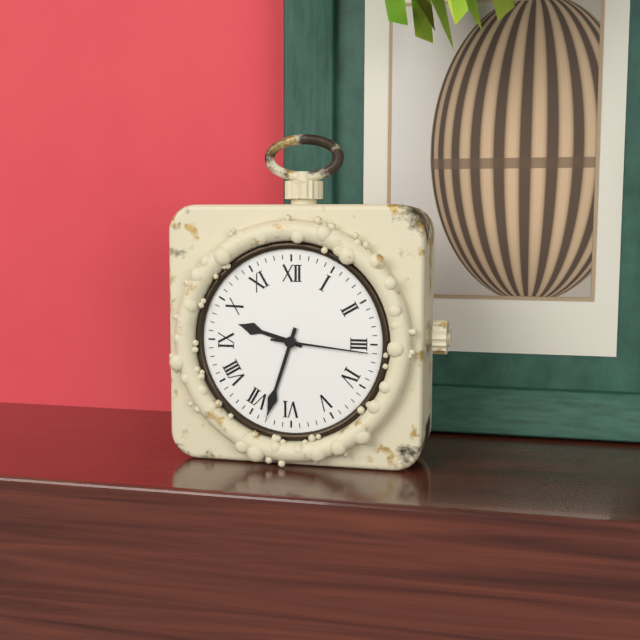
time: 9:33:16
